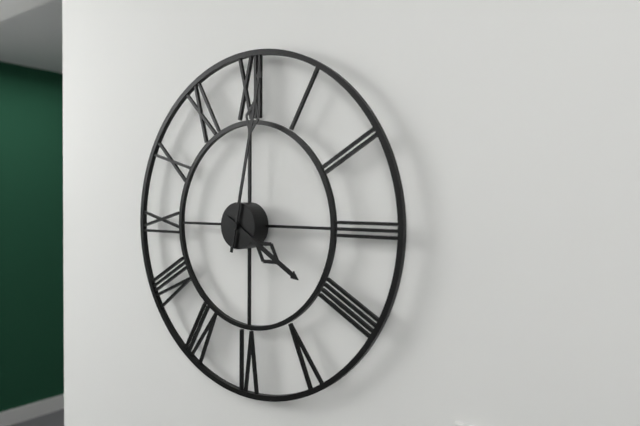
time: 4:02
